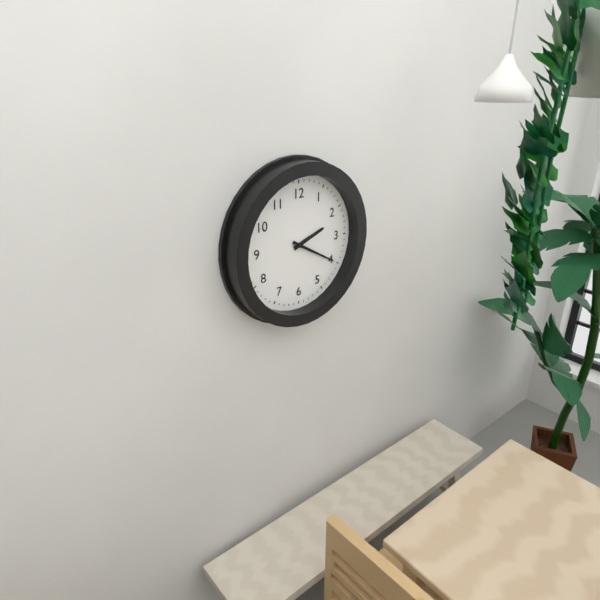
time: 2:20
